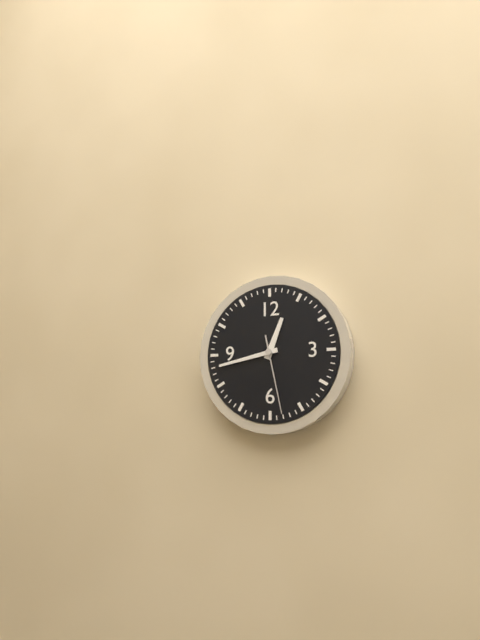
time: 12:43:28
